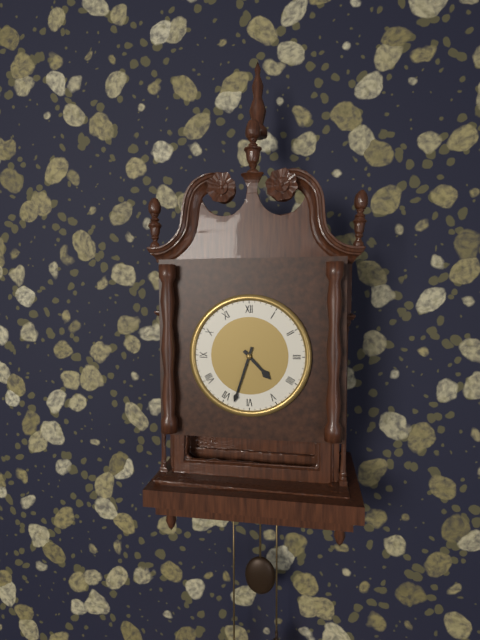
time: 4:33
